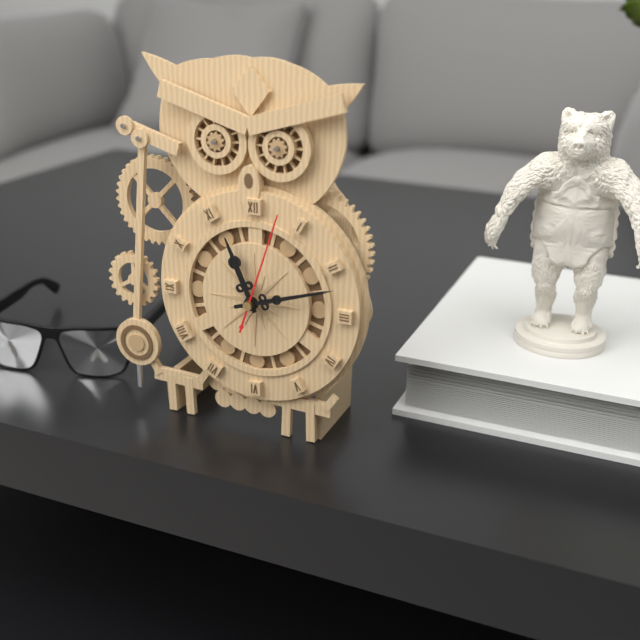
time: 11:12:03
